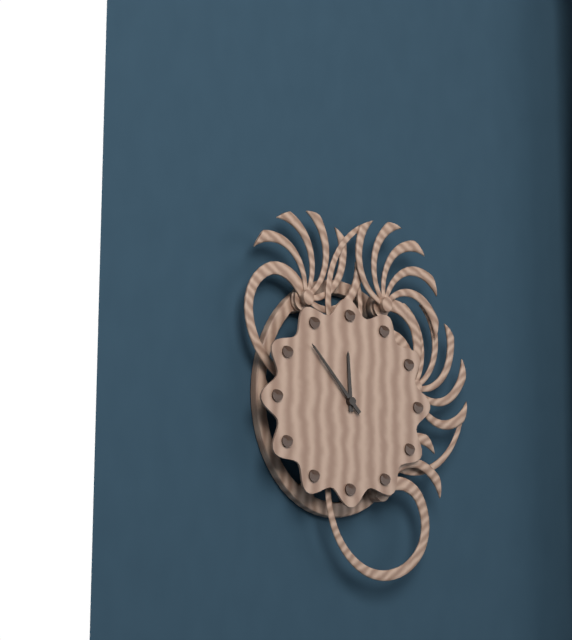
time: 11:53
